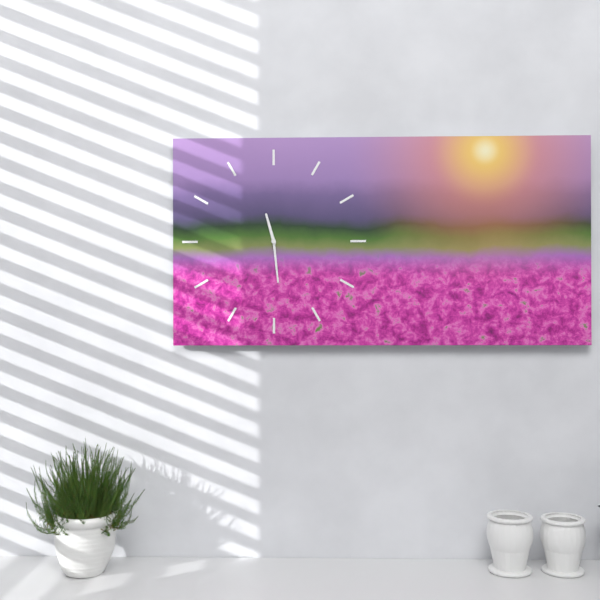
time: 11:29
